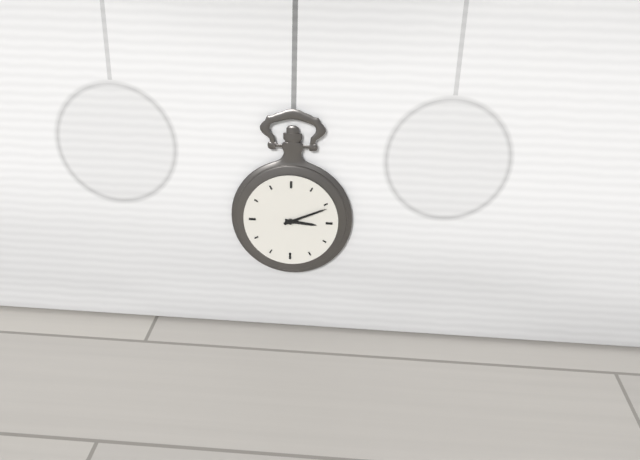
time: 3:11
